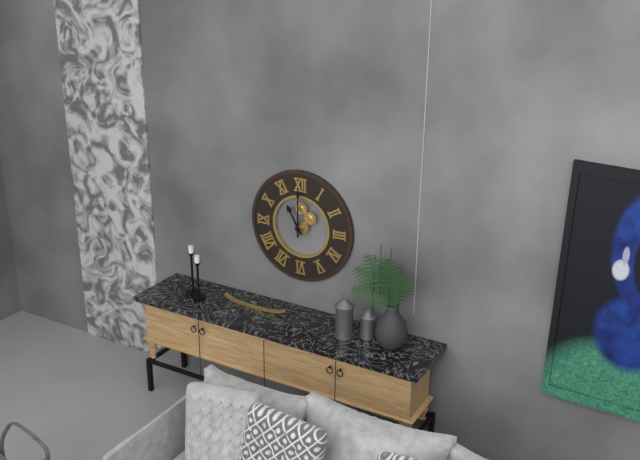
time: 11:00
